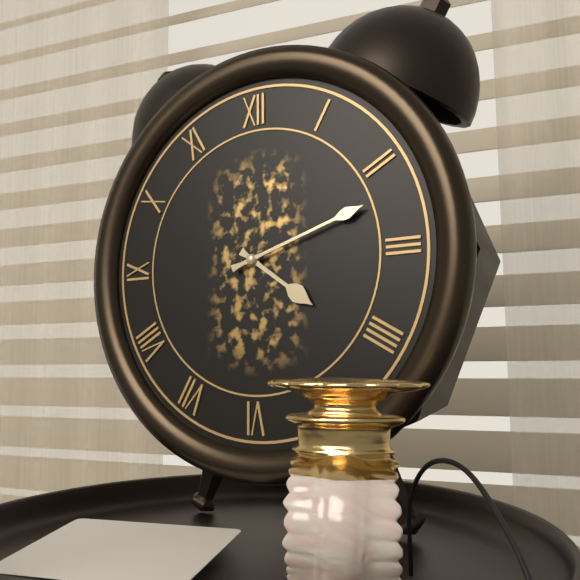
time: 4:12
